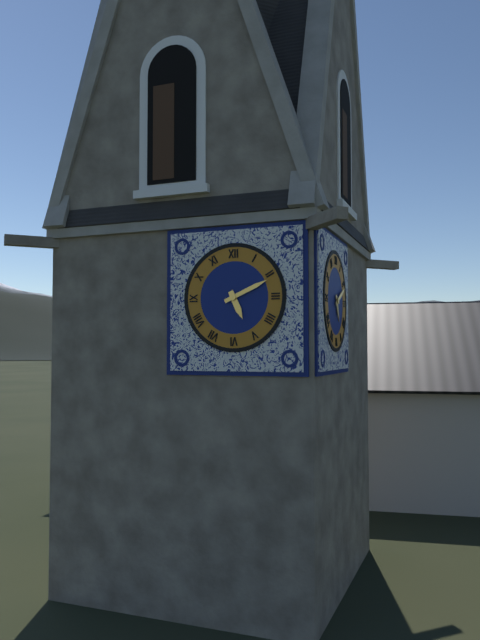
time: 5:11
